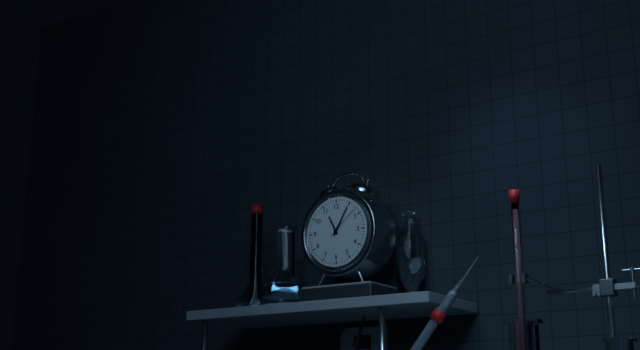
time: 11:05
